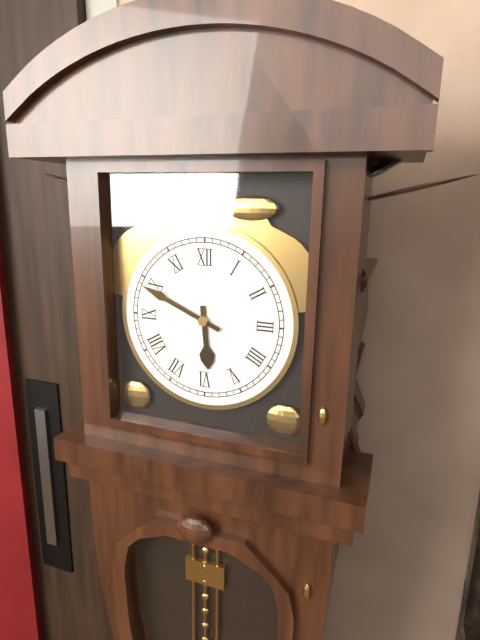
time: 5:49
